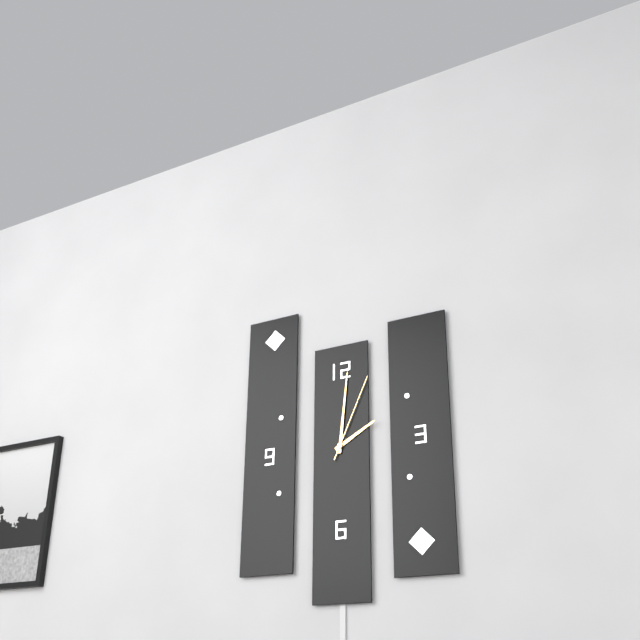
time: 2:01:04
